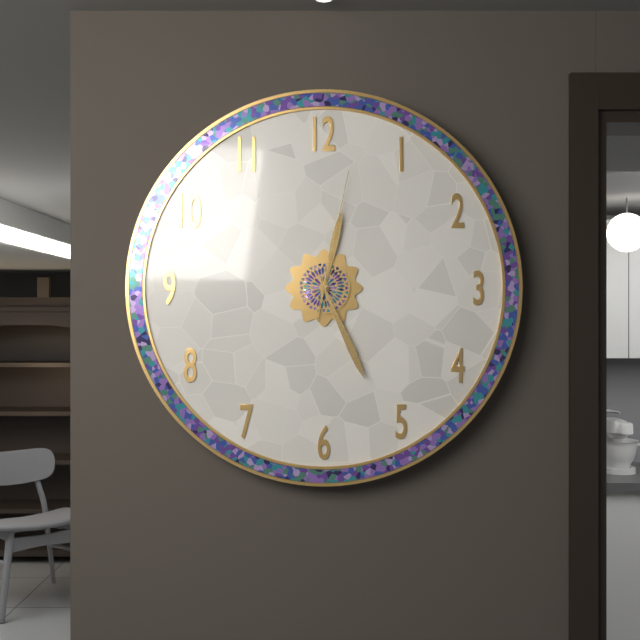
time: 12:26:02
